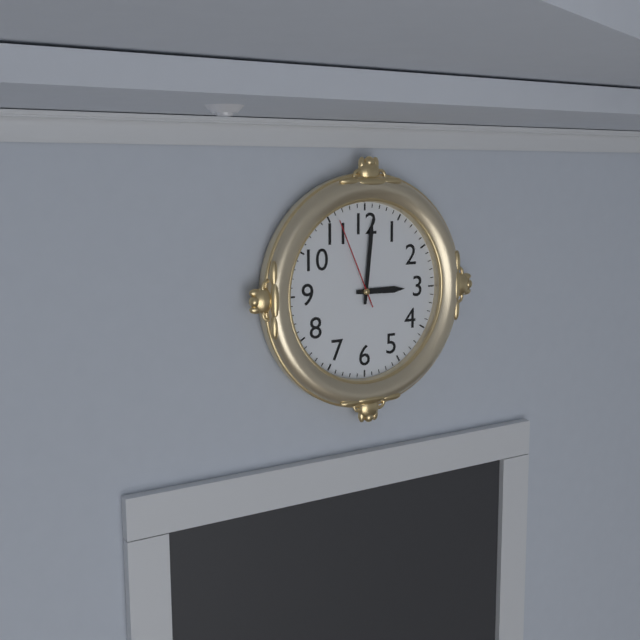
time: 3:01:56
